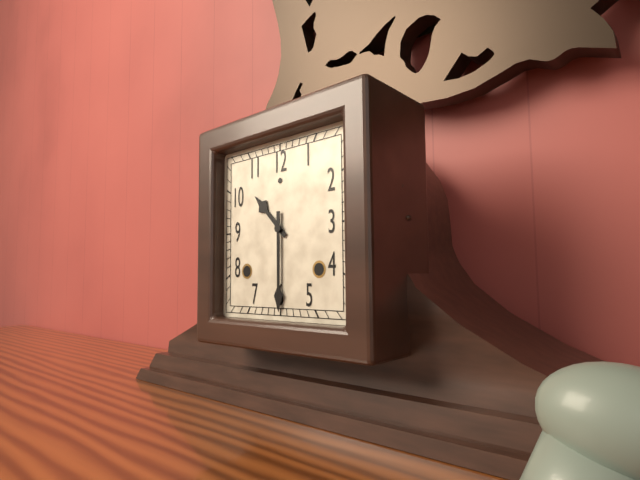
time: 10:30
